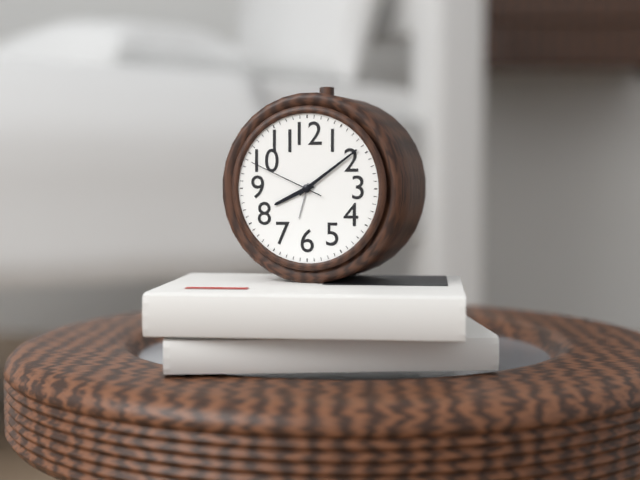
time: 8:09:49
